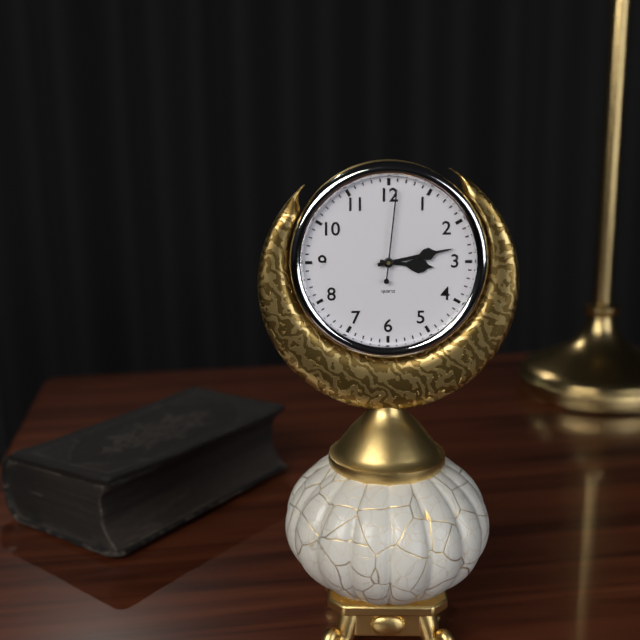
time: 3:13:01
